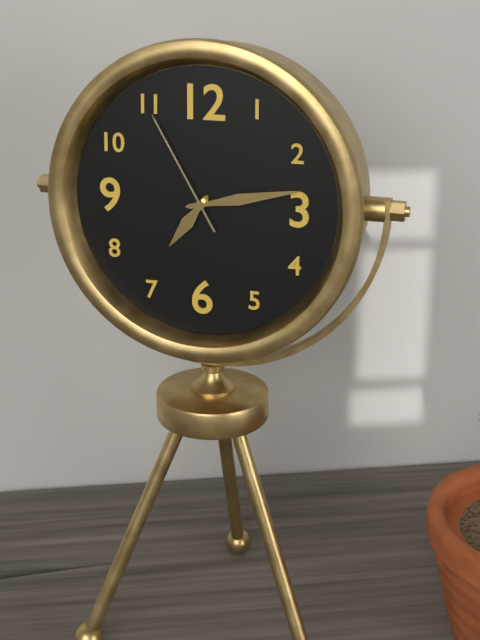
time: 7:13:55
